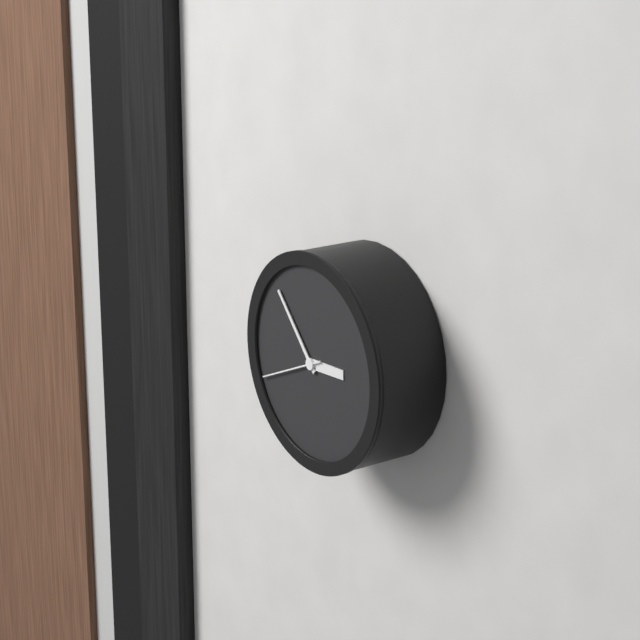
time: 2:53:41
